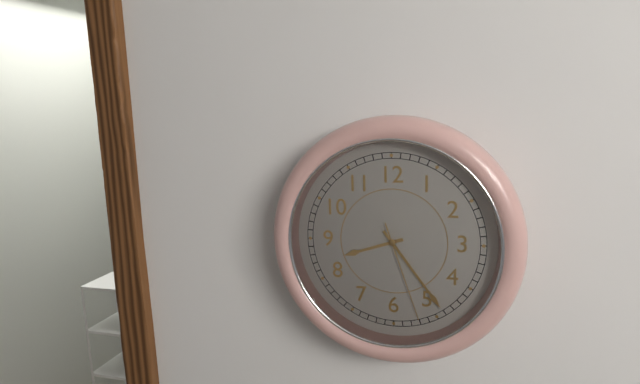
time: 8:24:27
